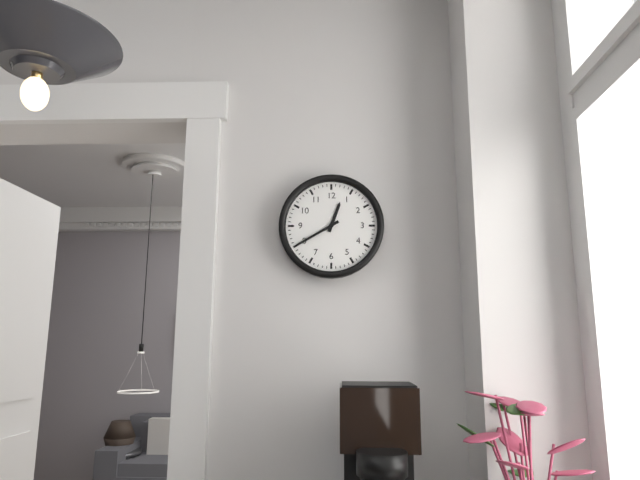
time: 12:40
